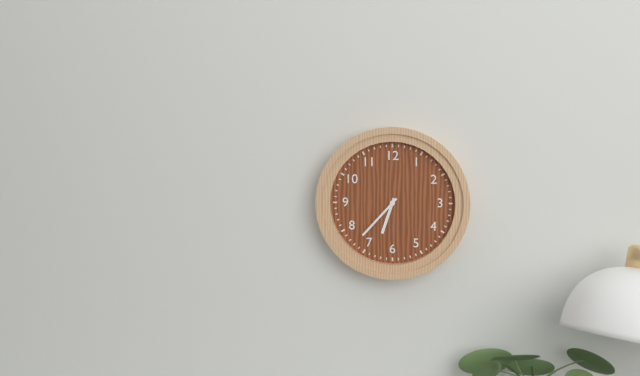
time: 6:37
